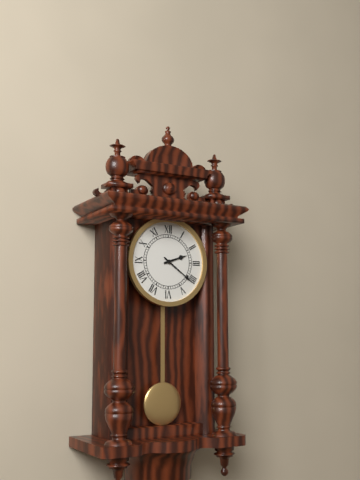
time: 2:21
